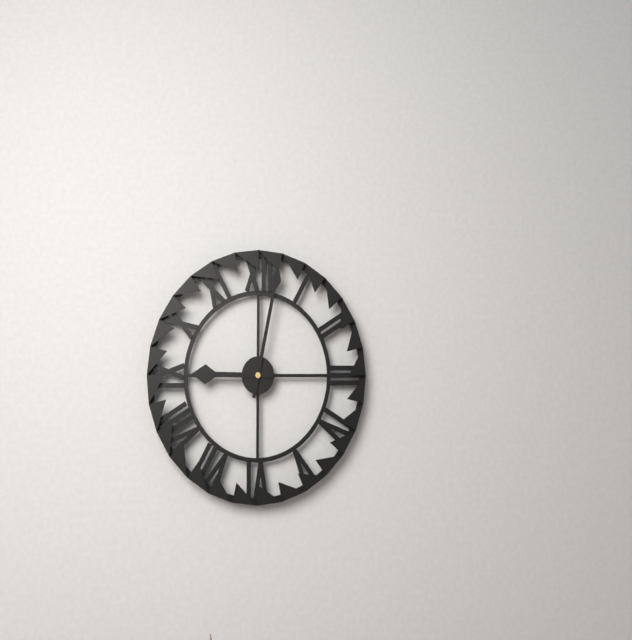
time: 9:02
